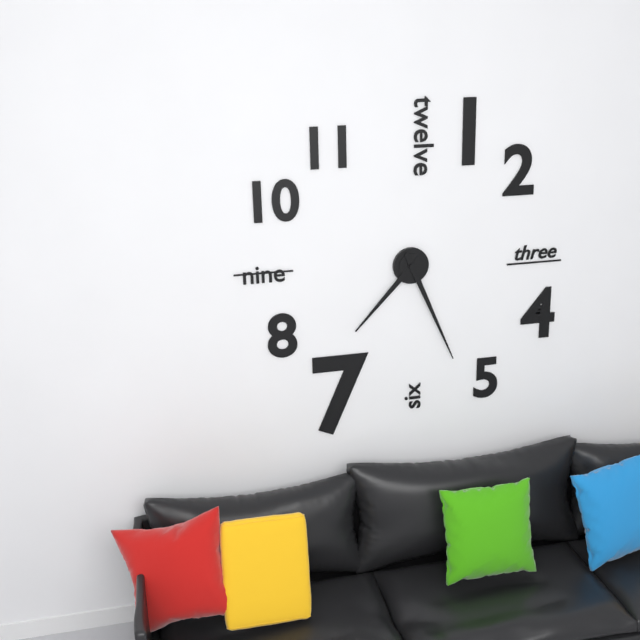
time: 7:26
